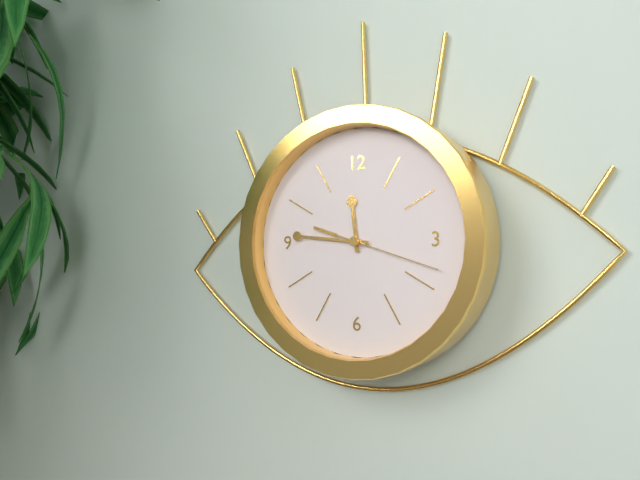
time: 11:46:18
